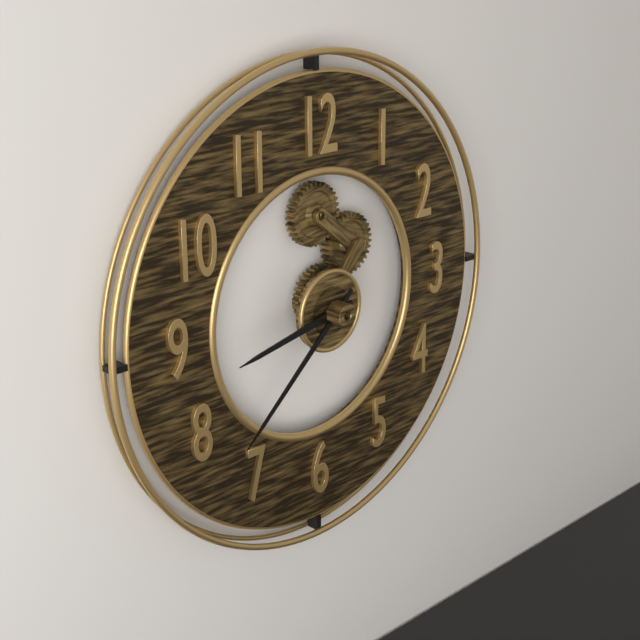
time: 8:38
